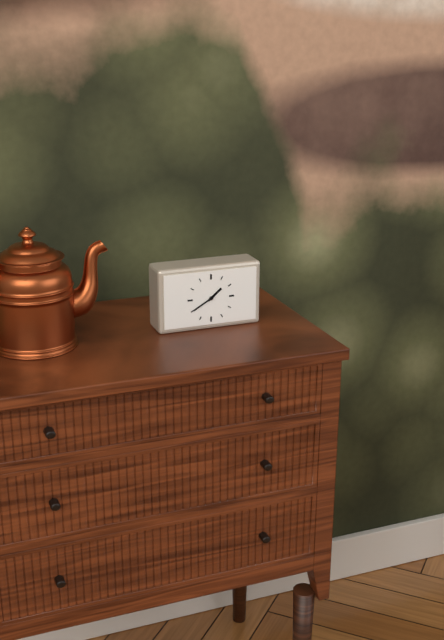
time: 1:40
